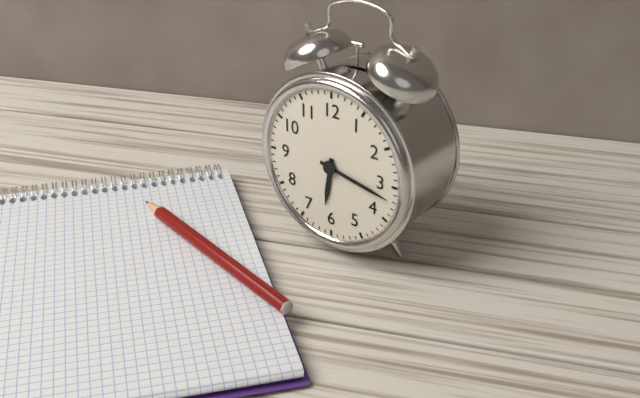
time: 6:17
